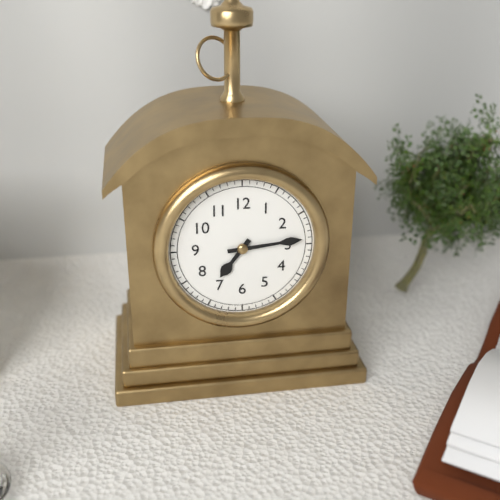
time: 7:14
